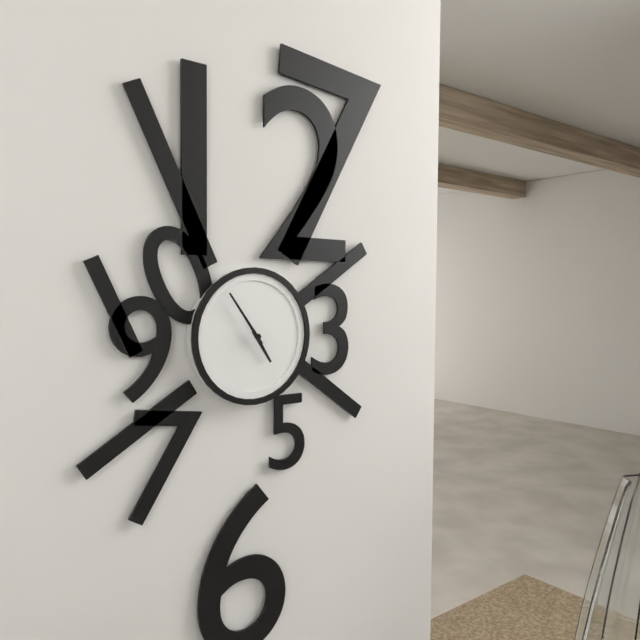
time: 4:54
